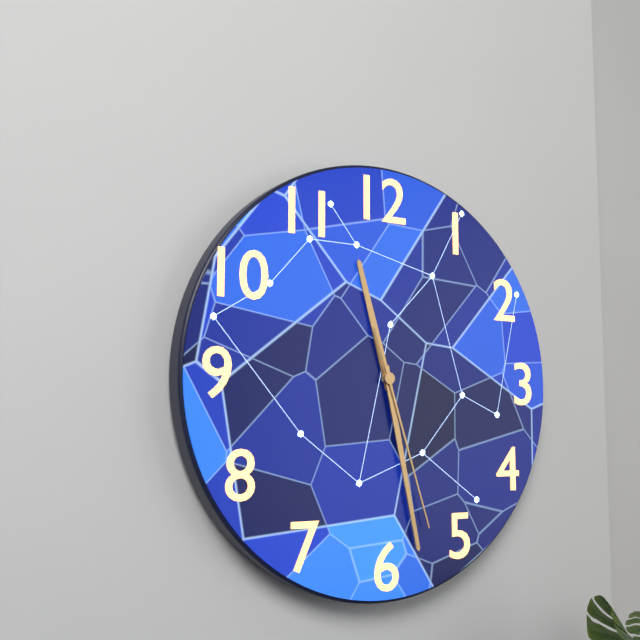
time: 11:28:27
